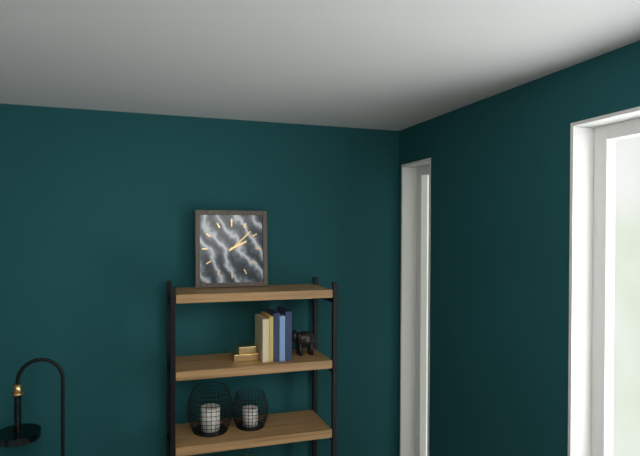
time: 2:08
